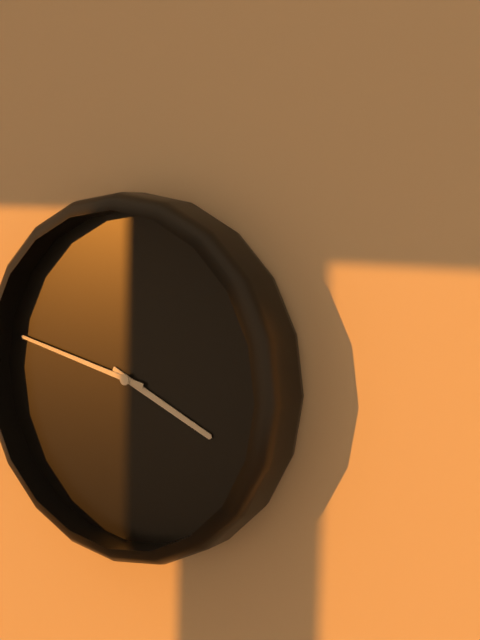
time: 3:47
